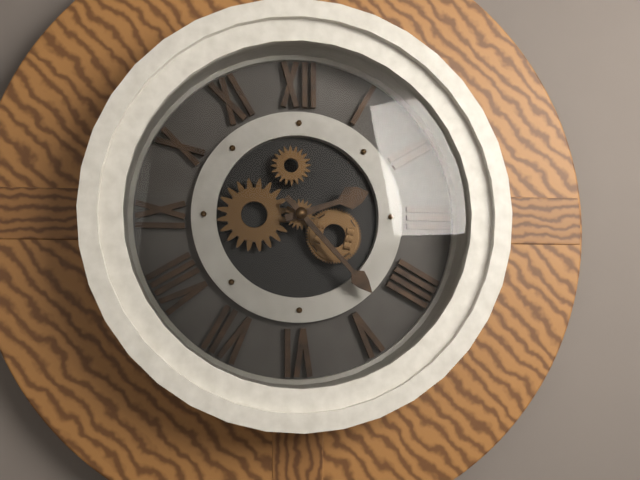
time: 2:23
